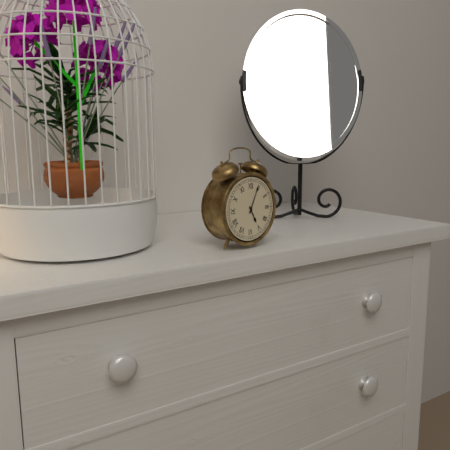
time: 5:04
